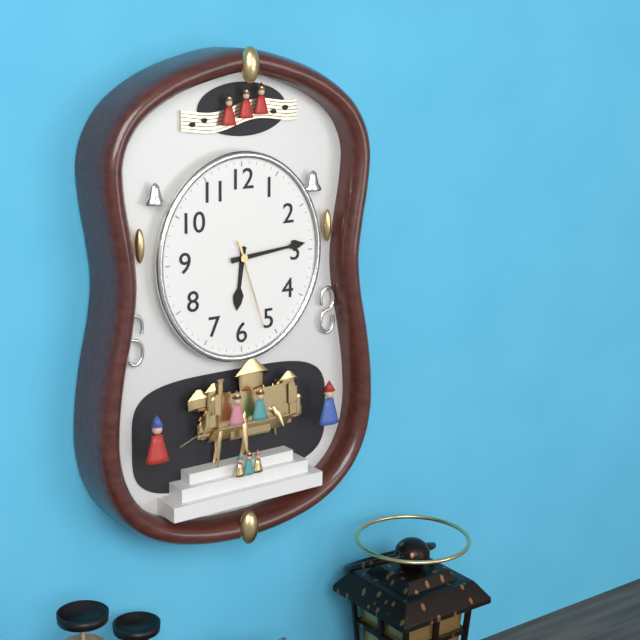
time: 6:14:27
